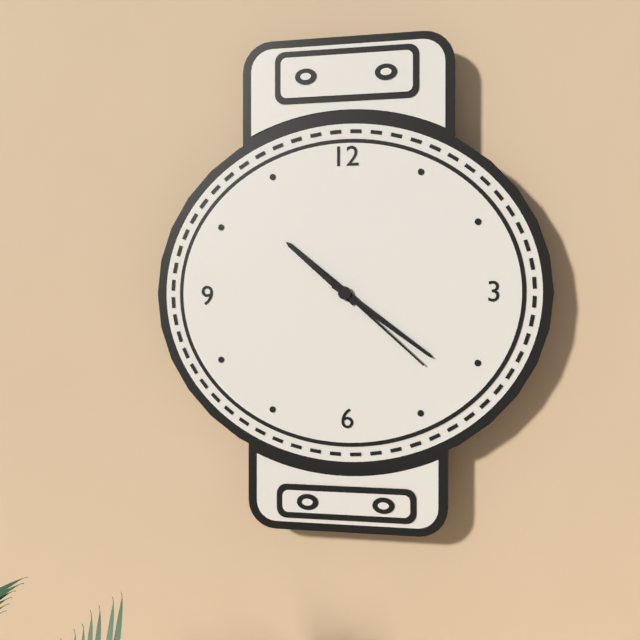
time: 10:21:22
